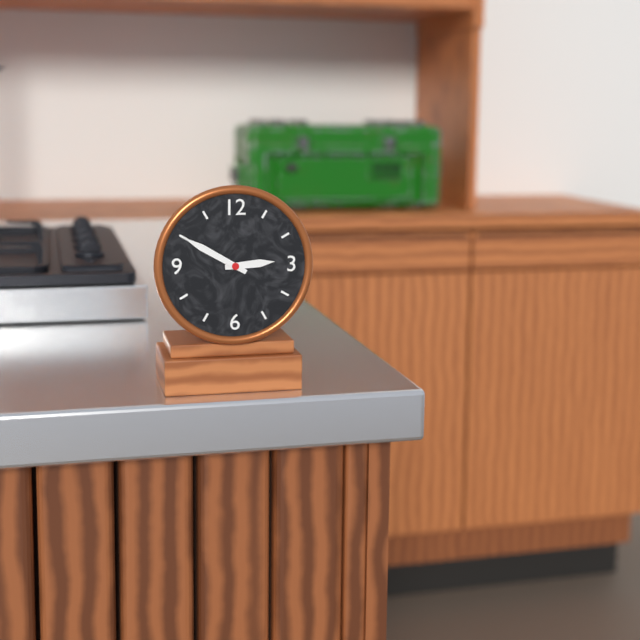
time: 2:50
